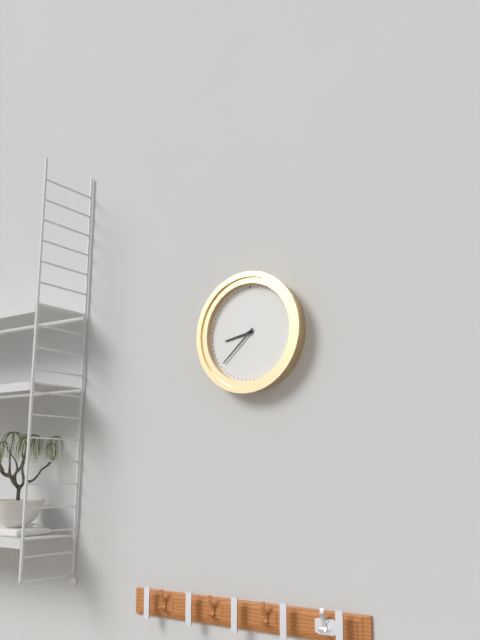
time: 8:38
